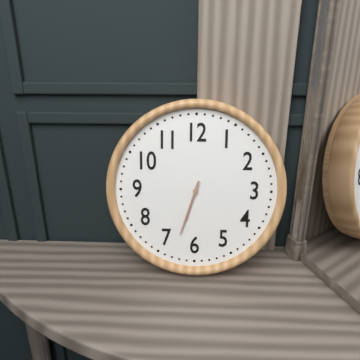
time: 6:33
